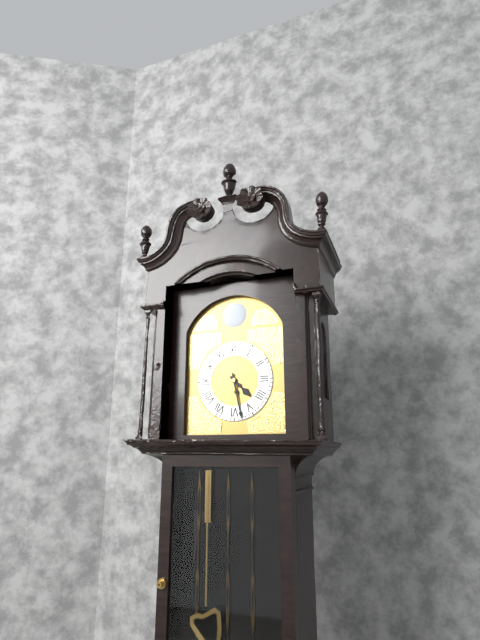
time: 4:28
